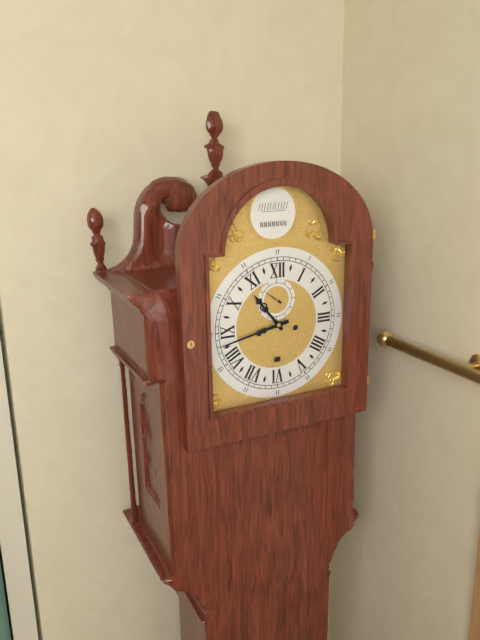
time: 10:43
